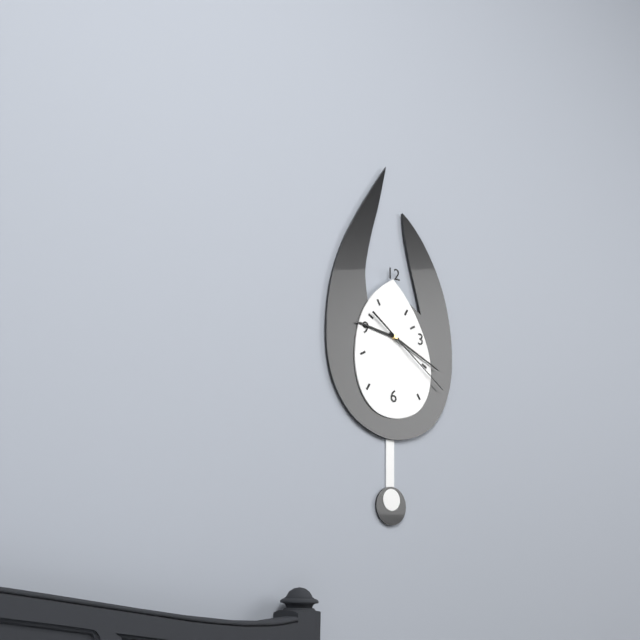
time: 9:19:21
